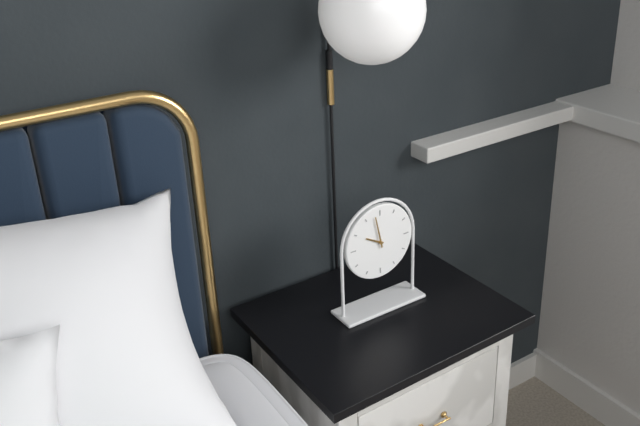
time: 9:58
